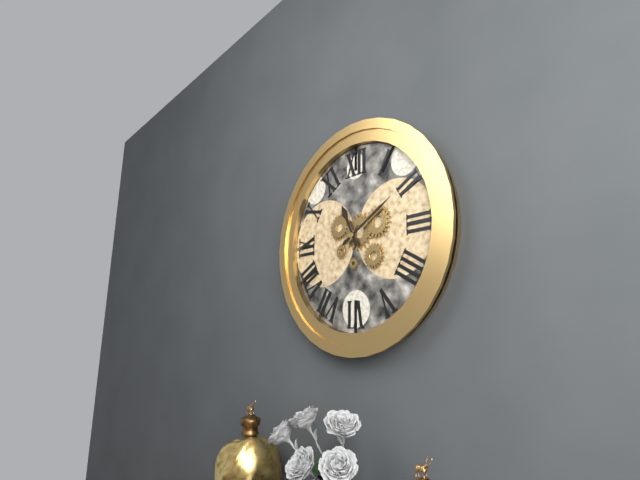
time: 11:10
